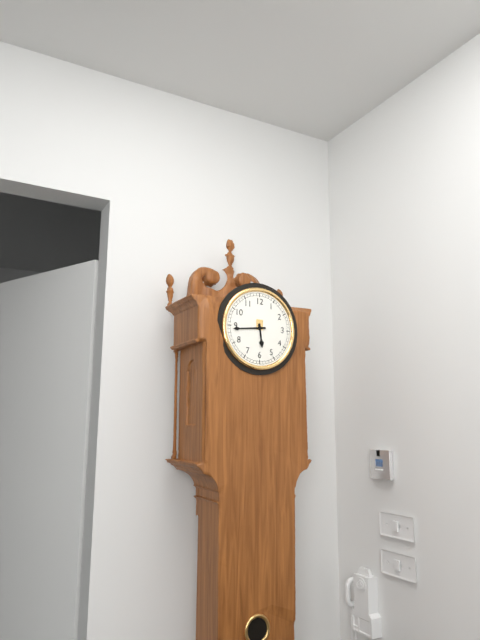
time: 5:44
